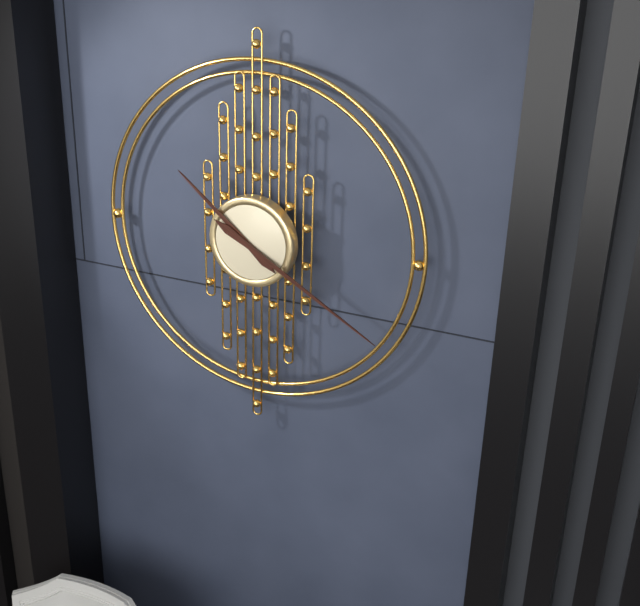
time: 10:20
